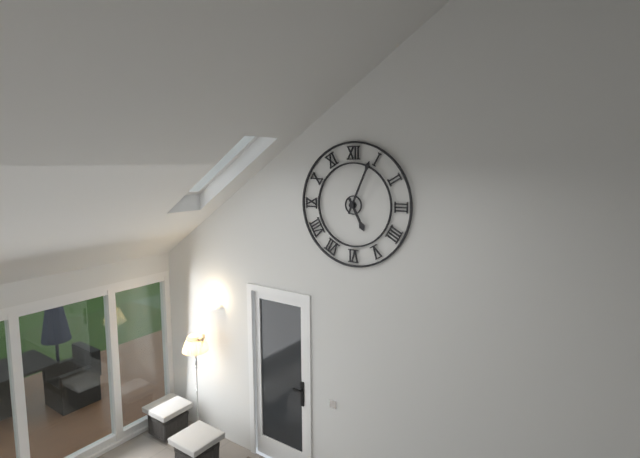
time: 5:04
